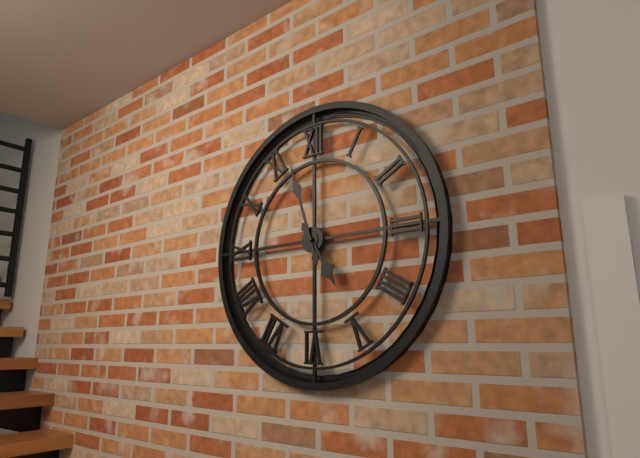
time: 4:57
